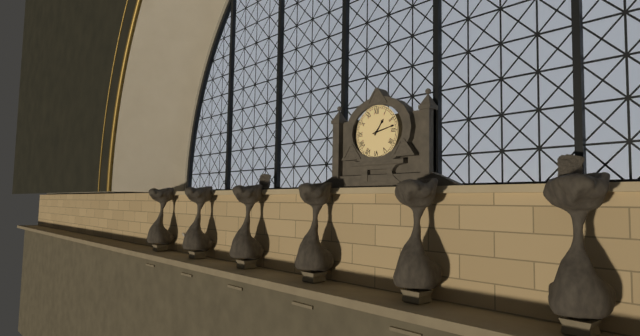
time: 1:13
